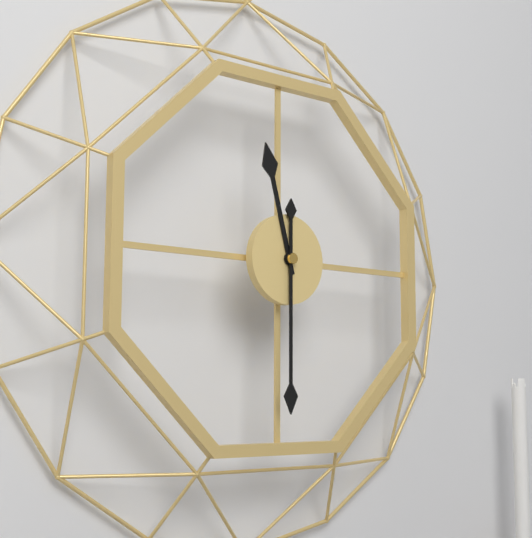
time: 11:30
